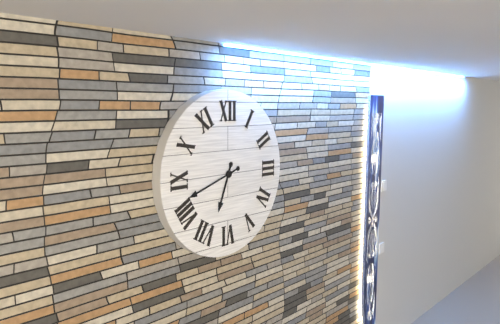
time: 6:42
